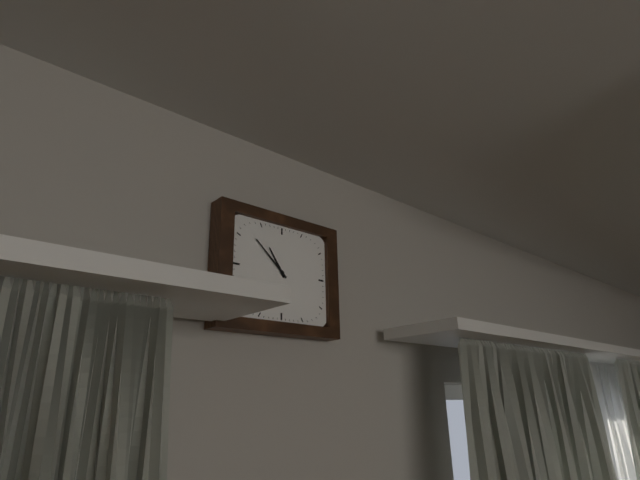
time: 10:52
